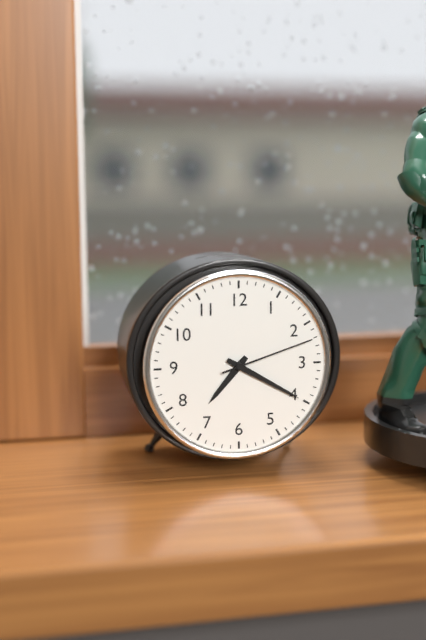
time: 7:20:12
